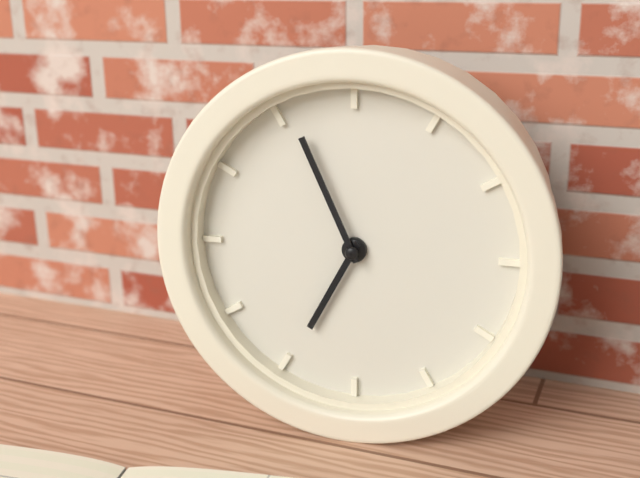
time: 6:56
